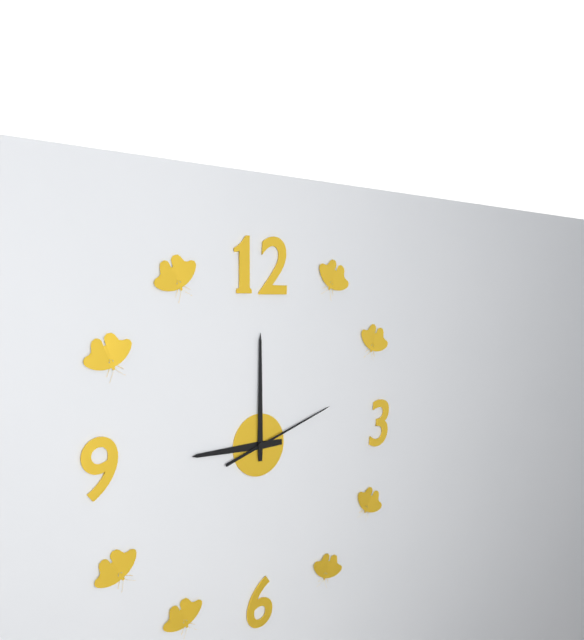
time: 9:00:12
